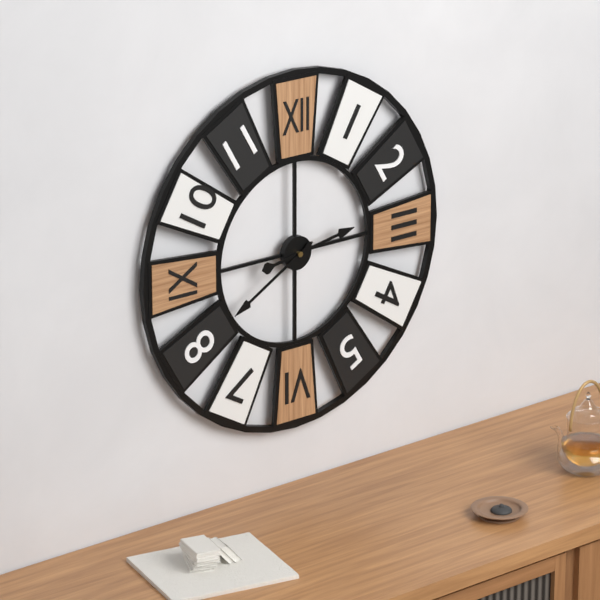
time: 2:40
